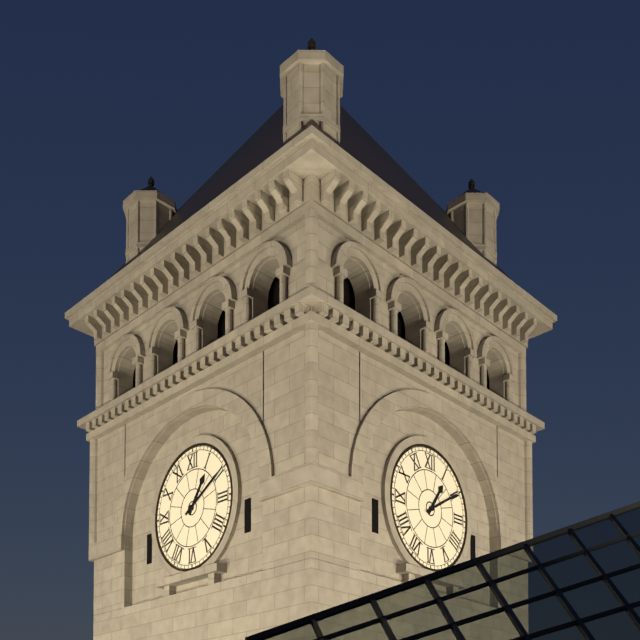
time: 1:10
